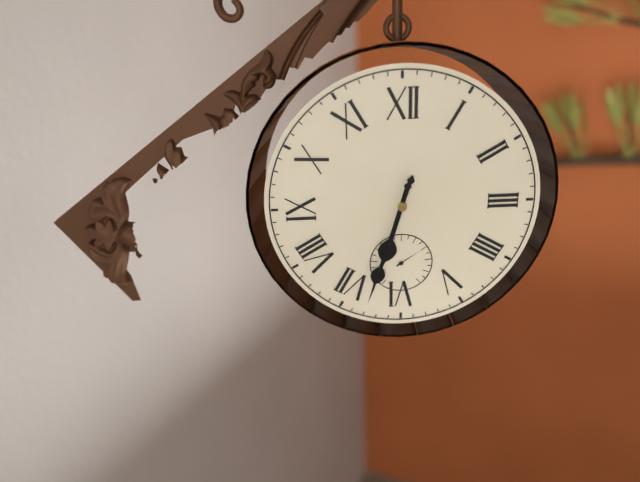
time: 6:33
